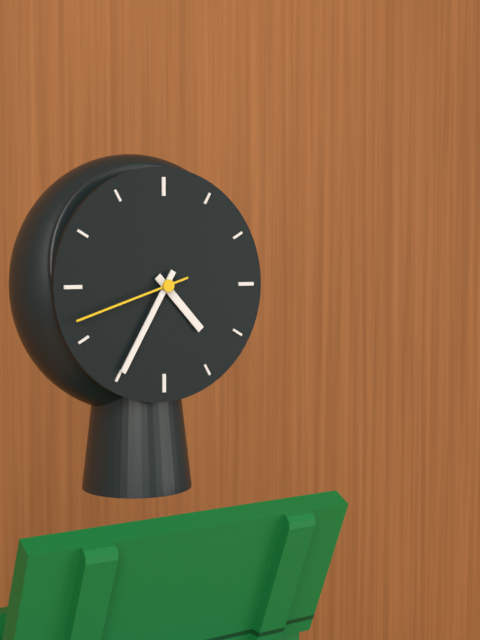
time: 4:35:42
